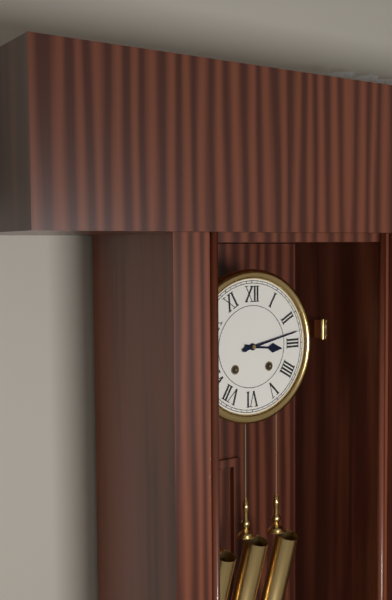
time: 3:13
